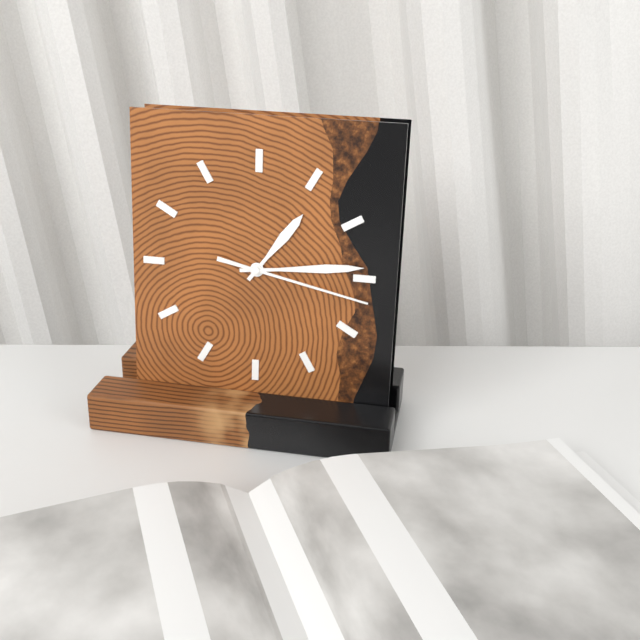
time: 1:14:17
